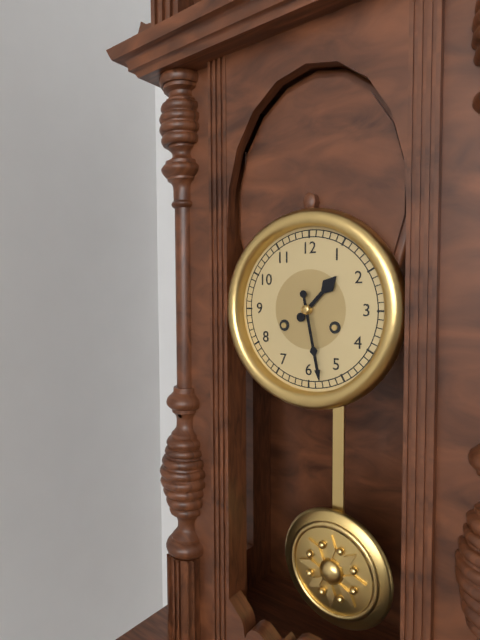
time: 1:28
